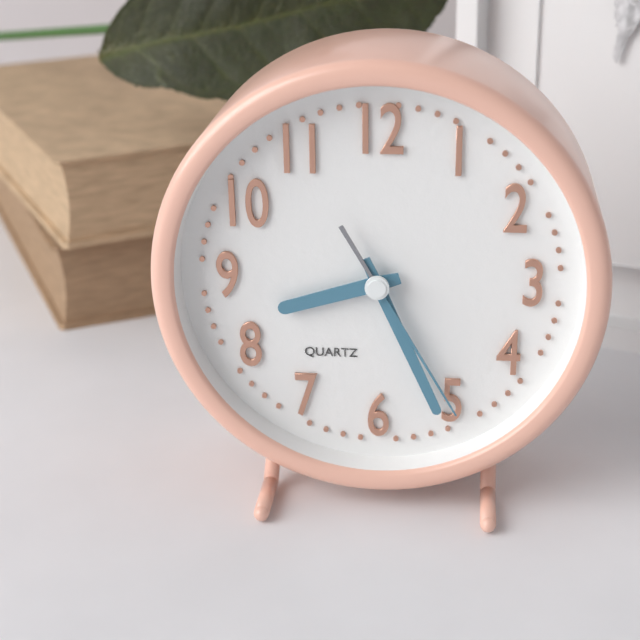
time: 8:26:25
